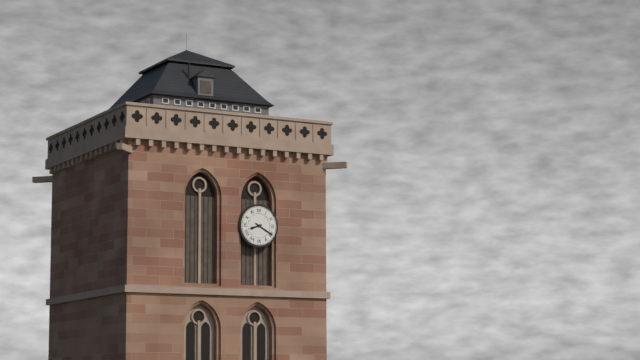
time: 8:20
